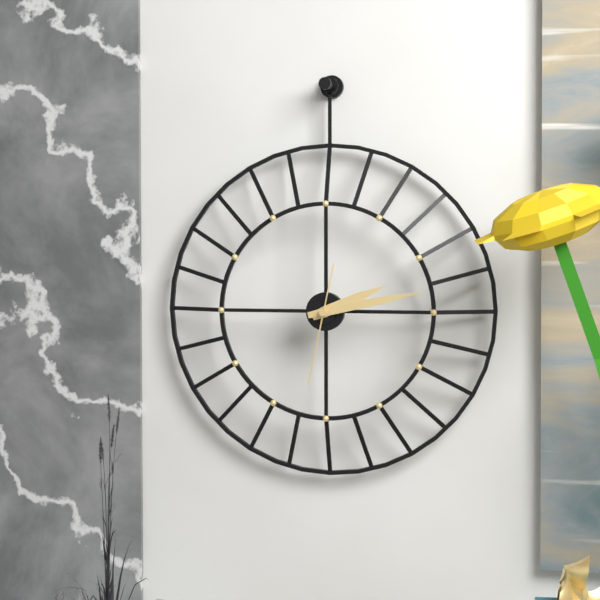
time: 2:13:32
